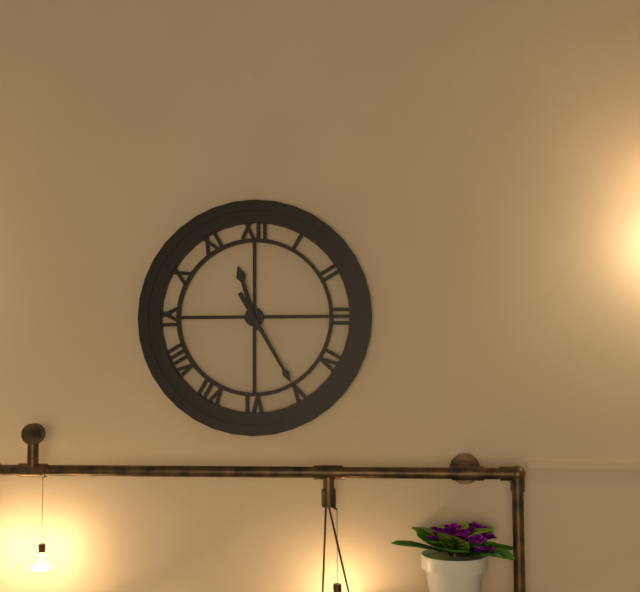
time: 11:25
